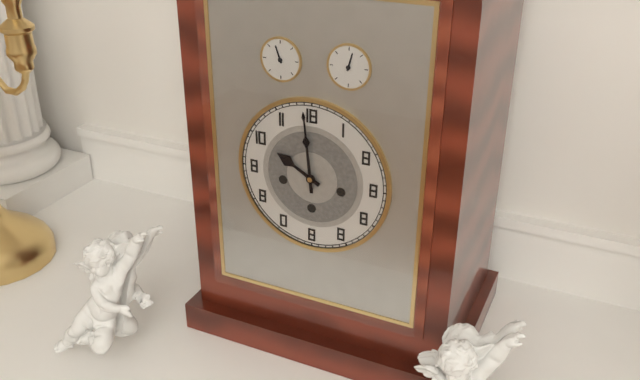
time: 9:59
